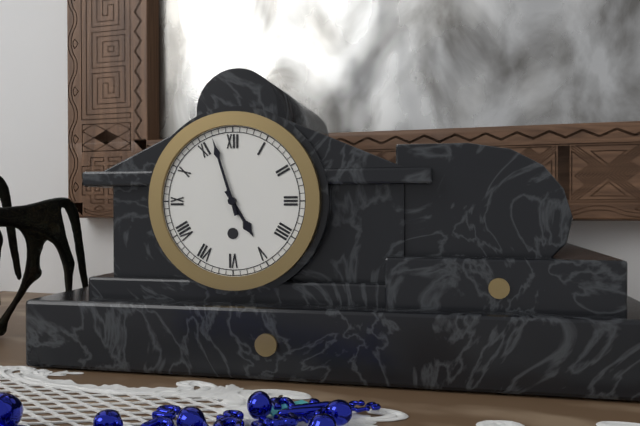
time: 4:57
